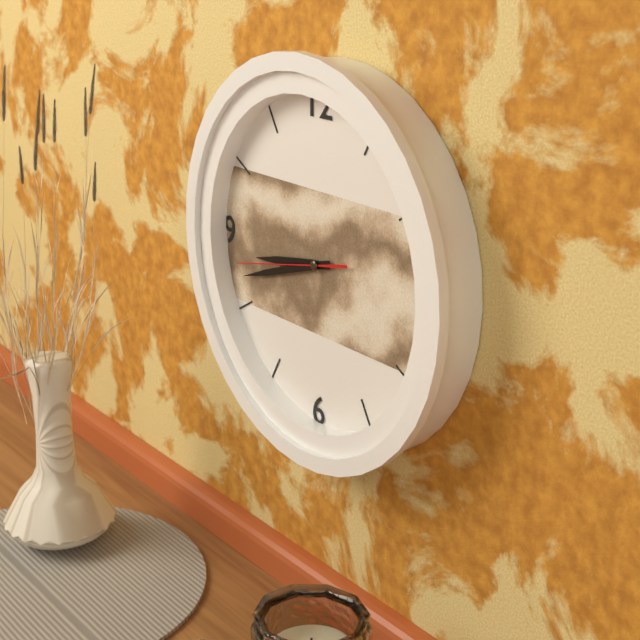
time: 8:42:43
